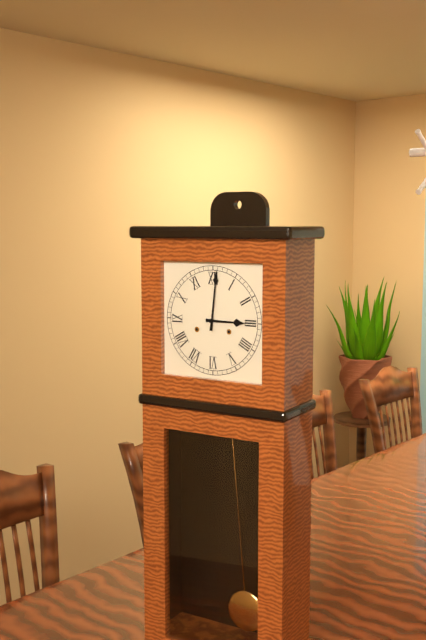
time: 3:01
